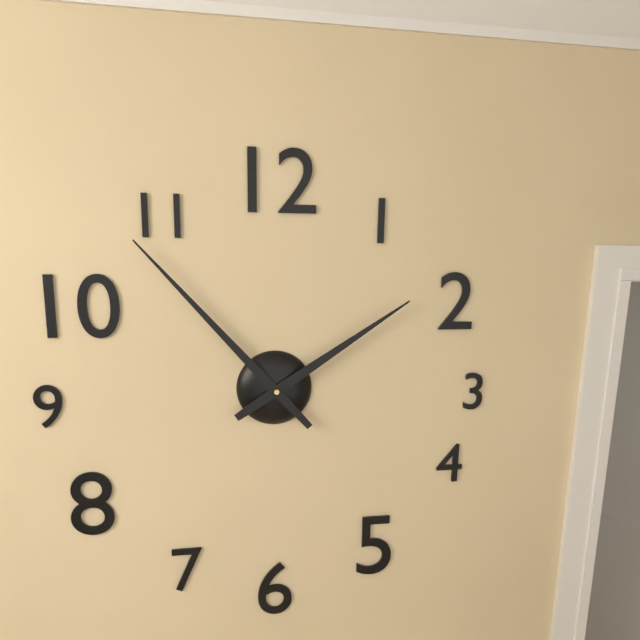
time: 1:53
